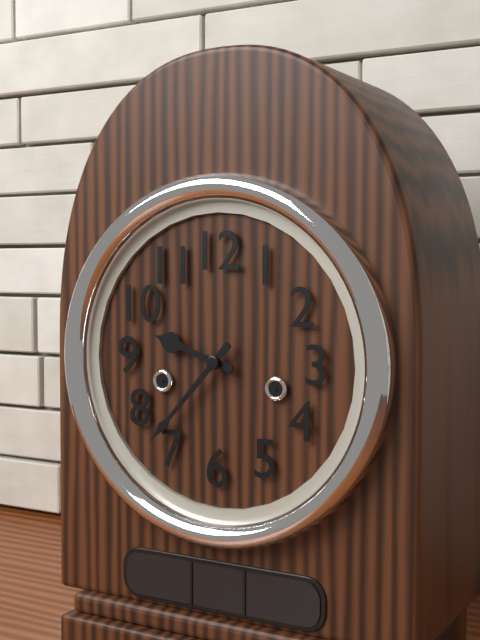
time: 9:37
